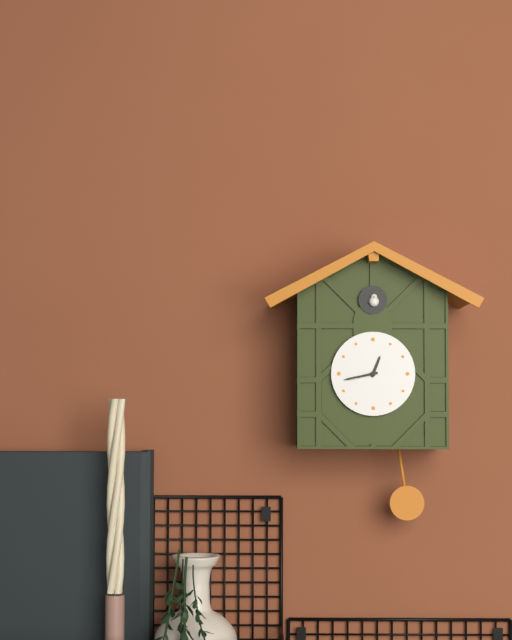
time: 12:43
